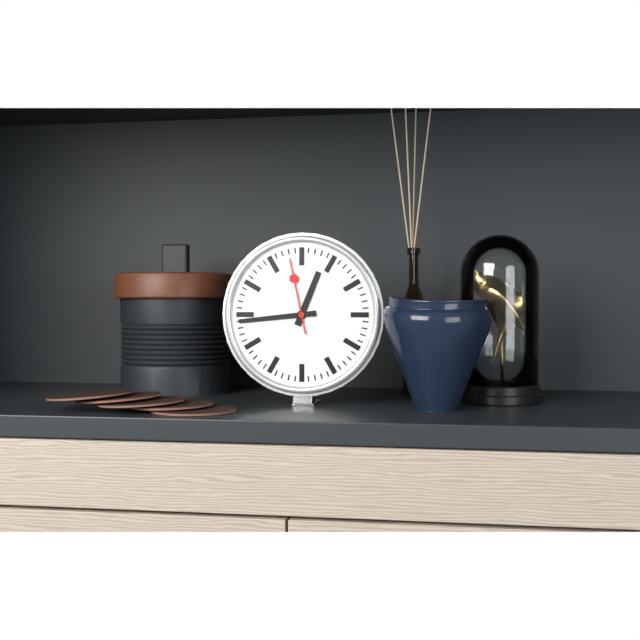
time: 12:44:58
